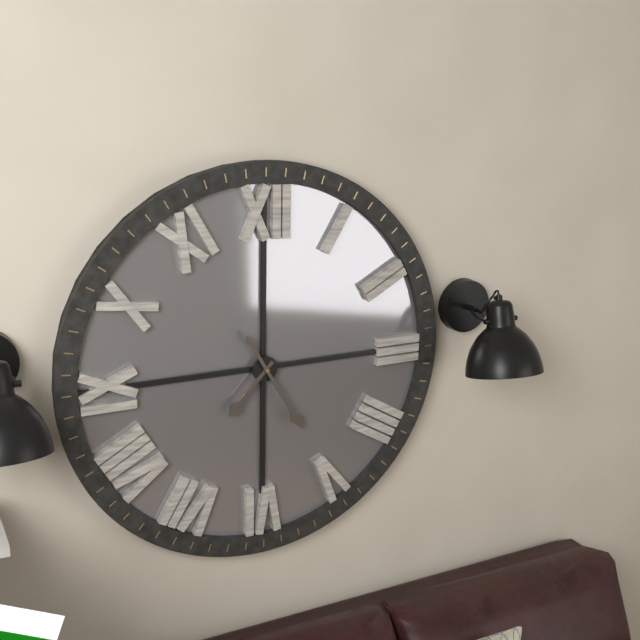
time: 7:25
